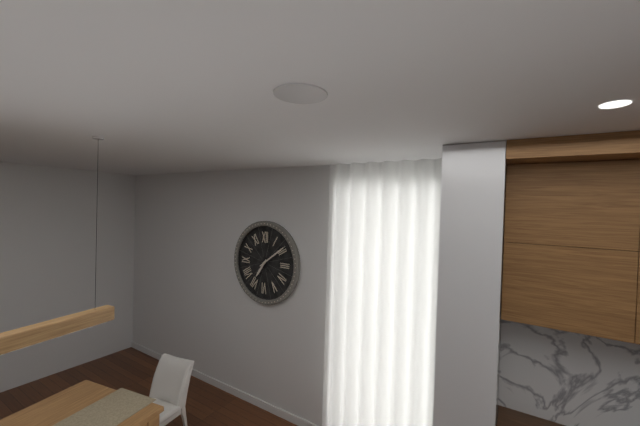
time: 7:09
